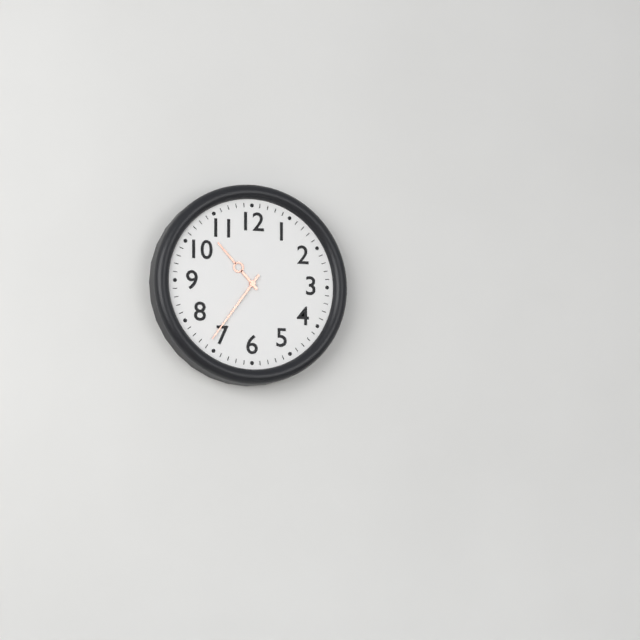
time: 10:36
